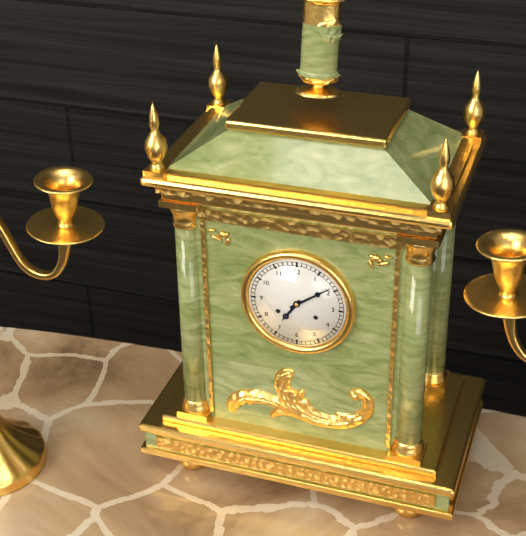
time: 7:09
